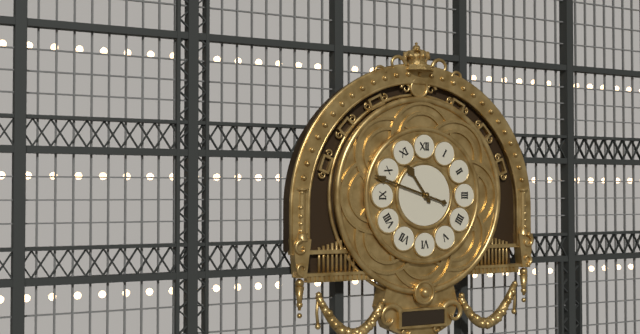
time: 10:48
